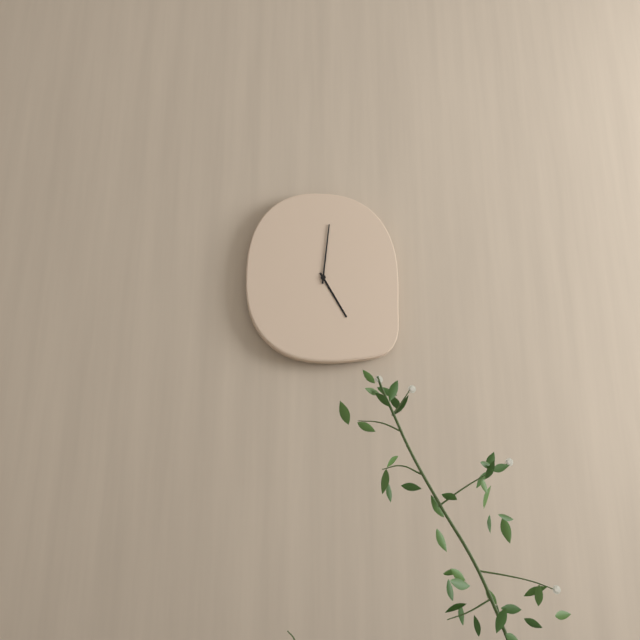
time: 5:01
